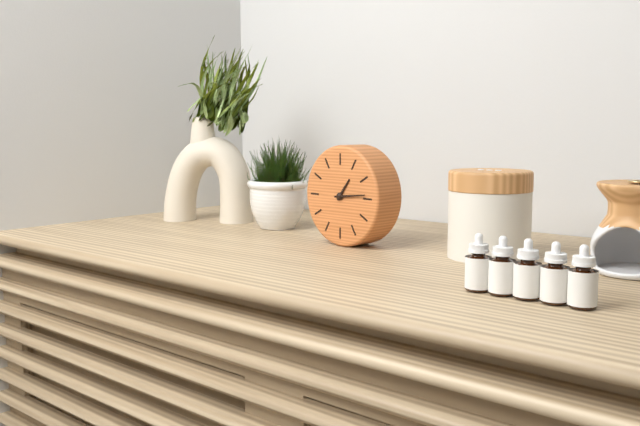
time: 1:14
